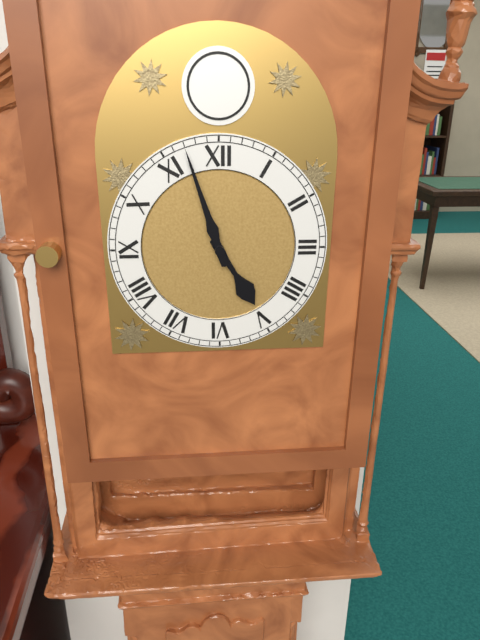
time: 4:57
